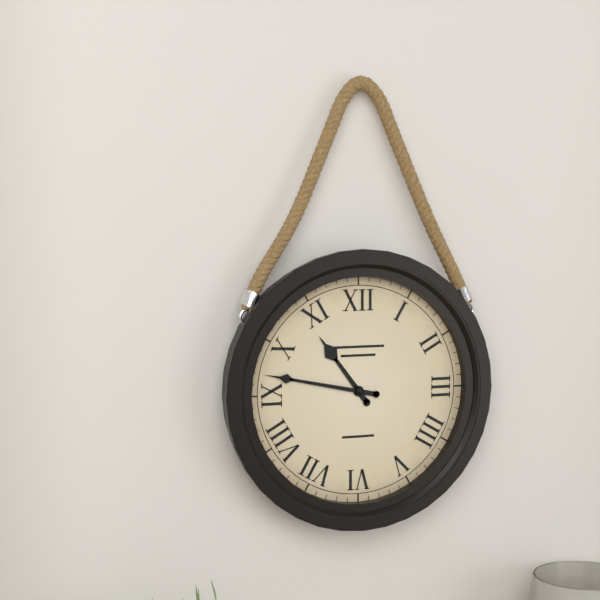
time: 10:47
